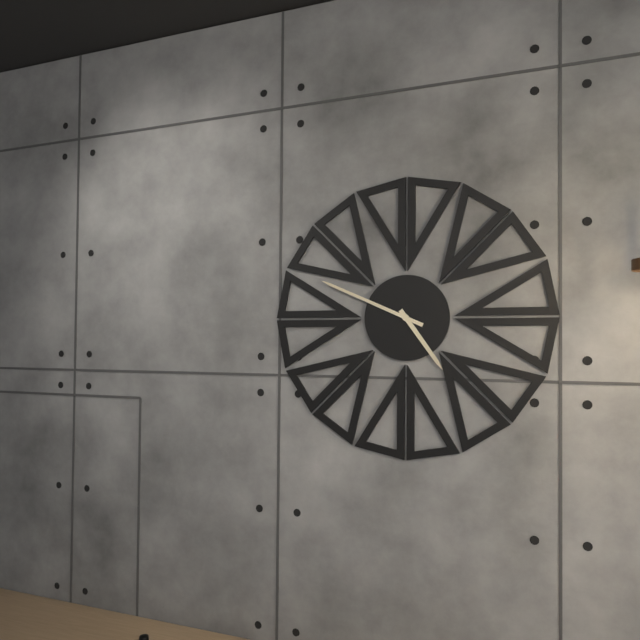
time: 4:49
